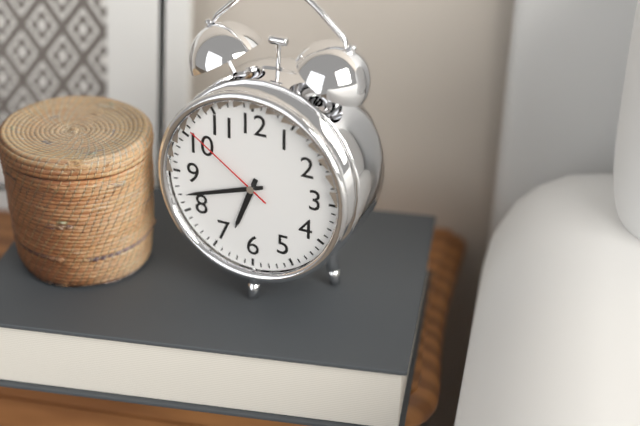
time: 6:42:51
